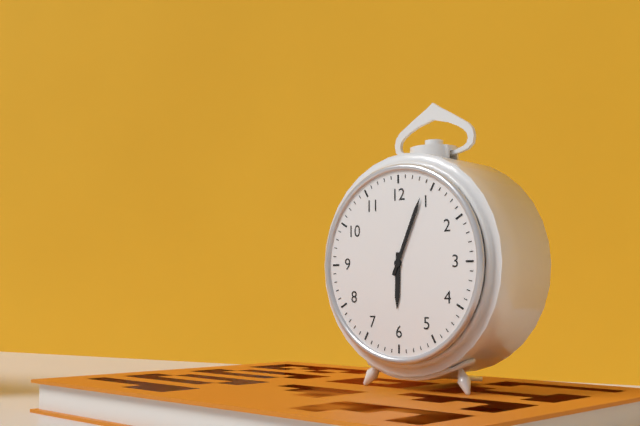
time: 6:04
